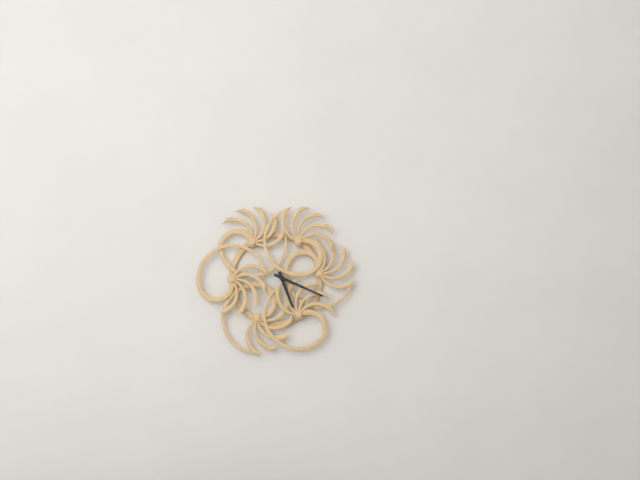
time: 5:19
